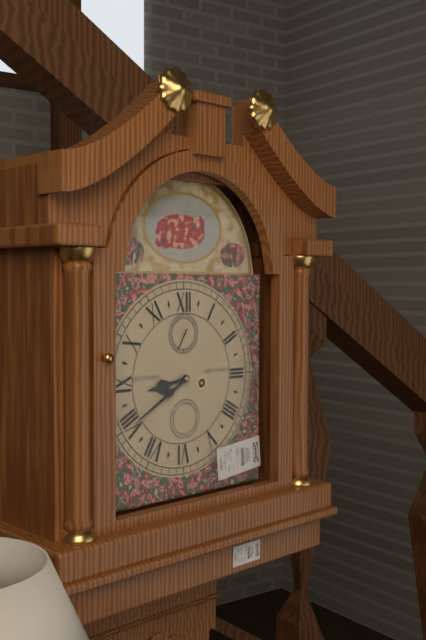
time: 8:40
